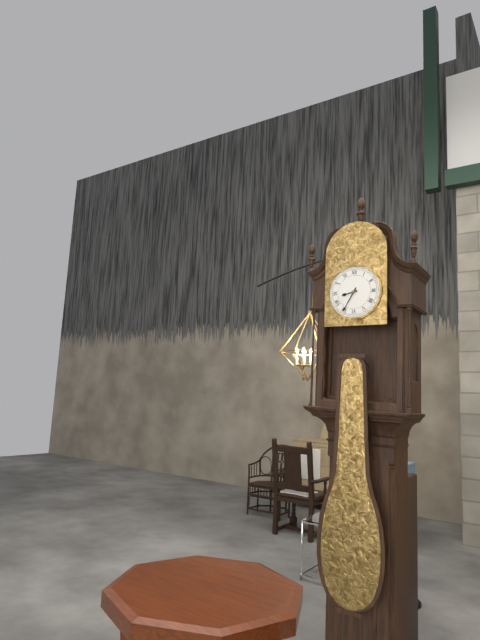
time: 8:35
